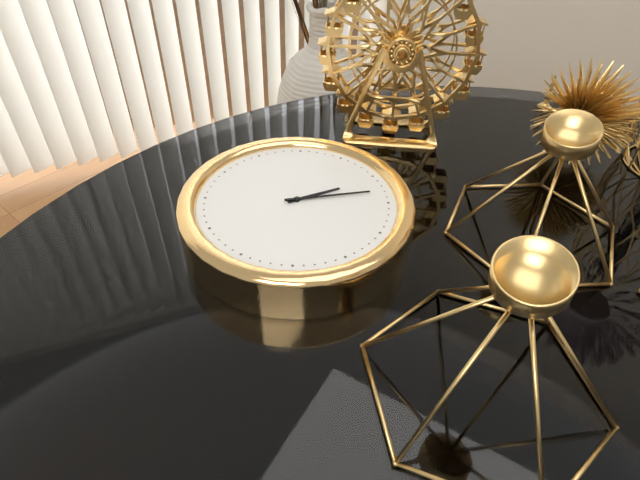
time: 1:08
